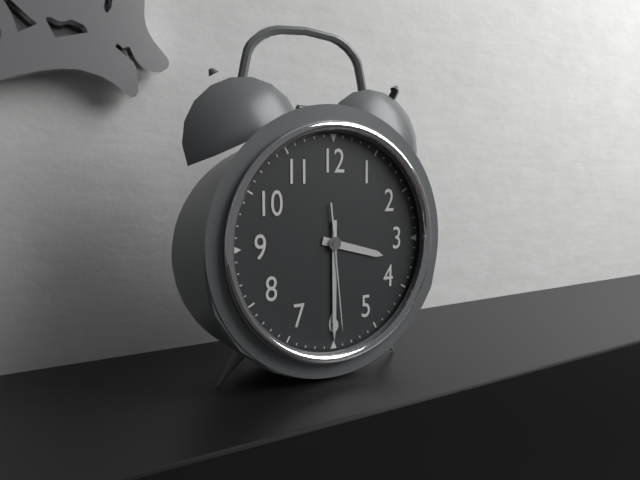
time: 3:30:29
